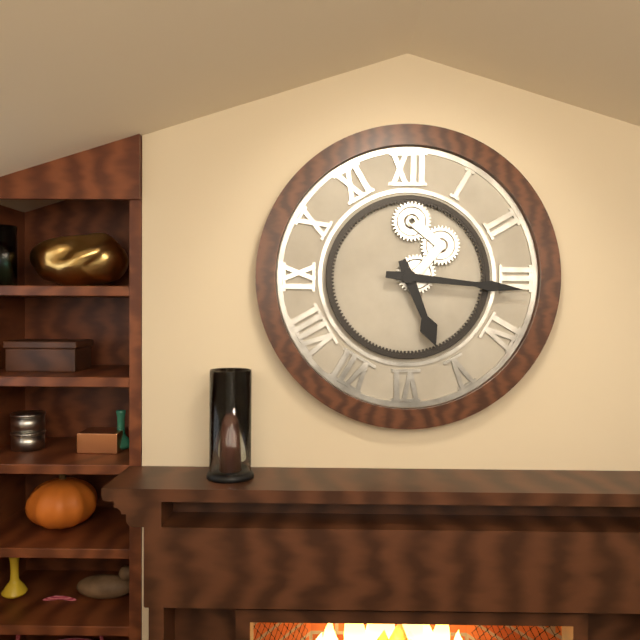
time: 5:16
